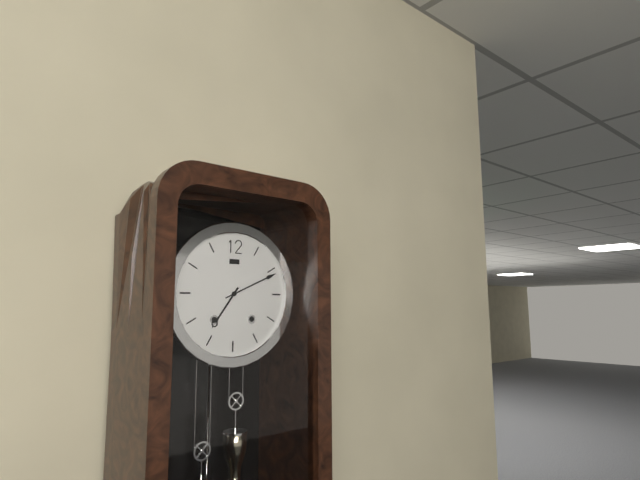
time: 7:11
